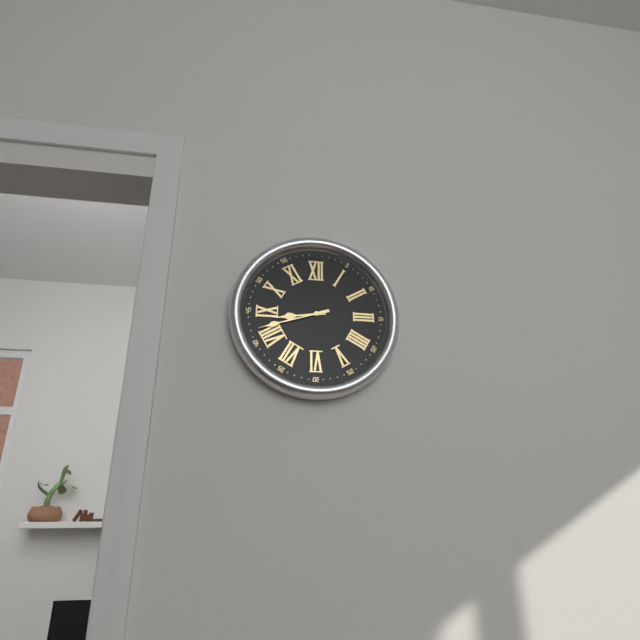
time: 8:42
